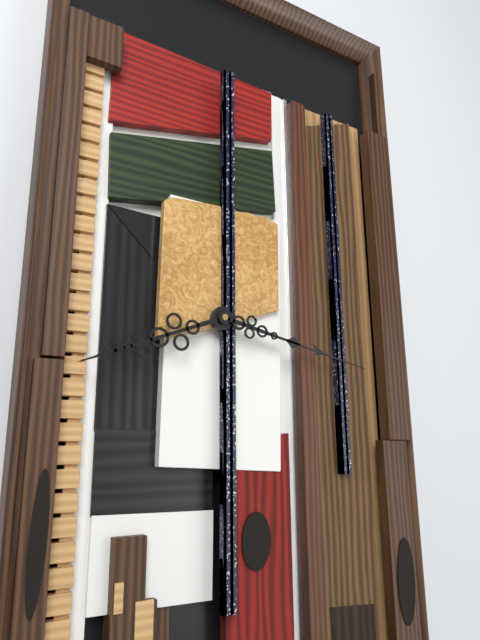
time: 8:17
